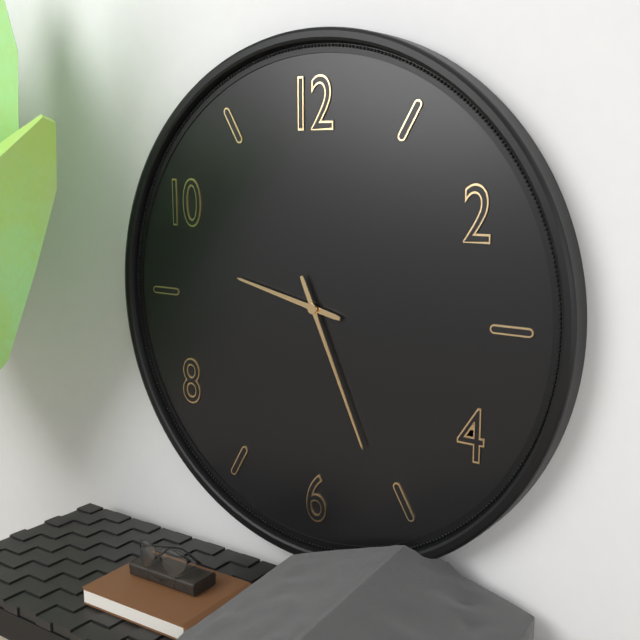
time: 9:26
